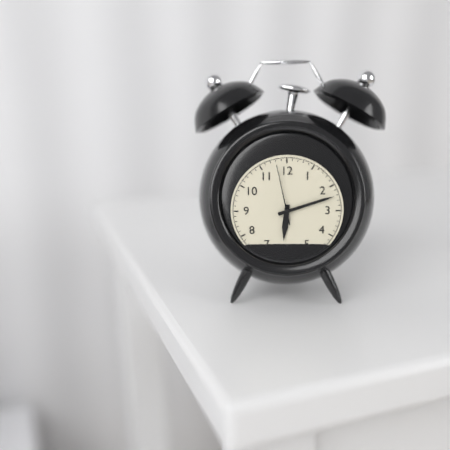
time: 6:12:58
